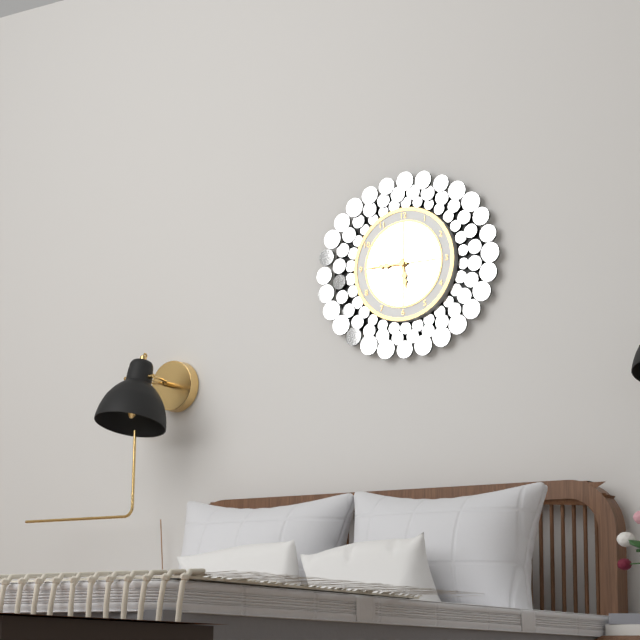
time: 5:45
